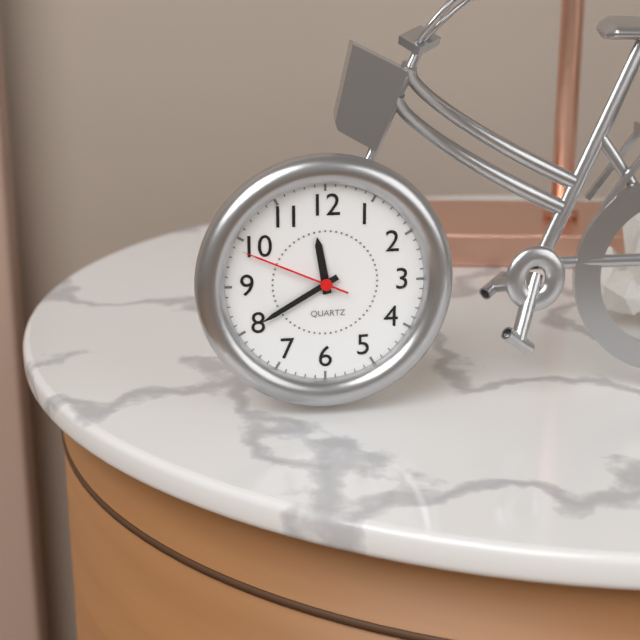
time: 11:40:49
